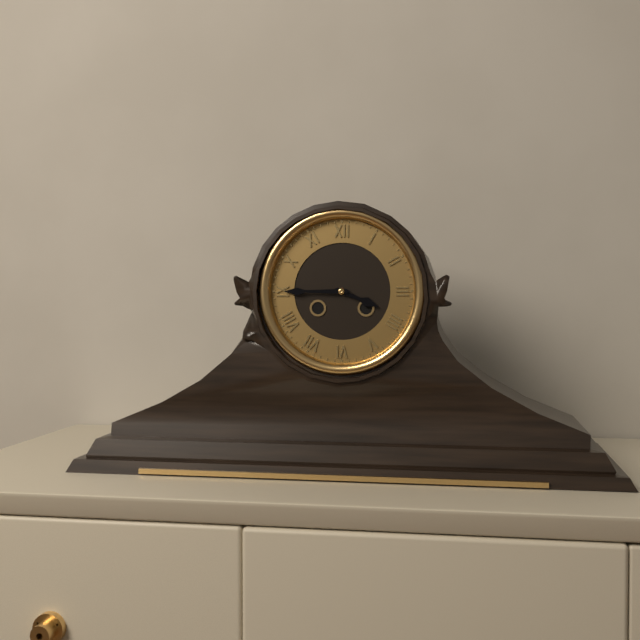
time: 3:45
